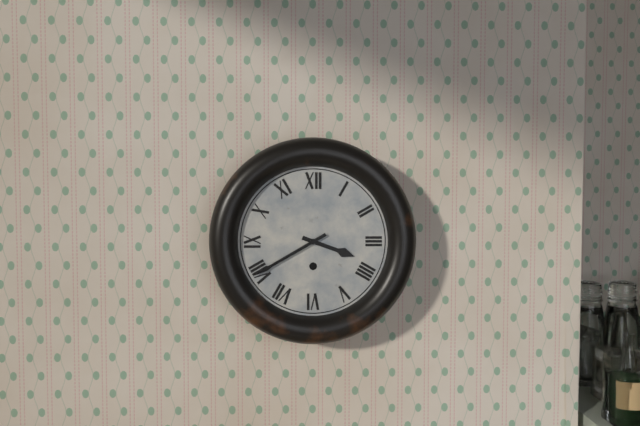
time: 3:40
